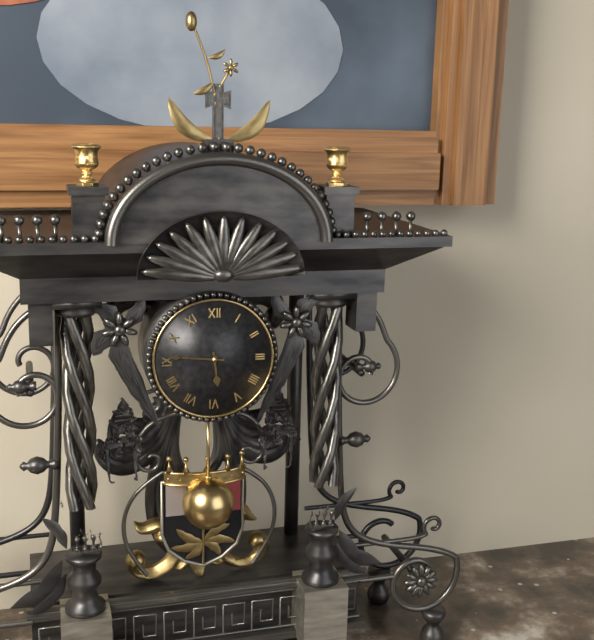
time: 5:46
